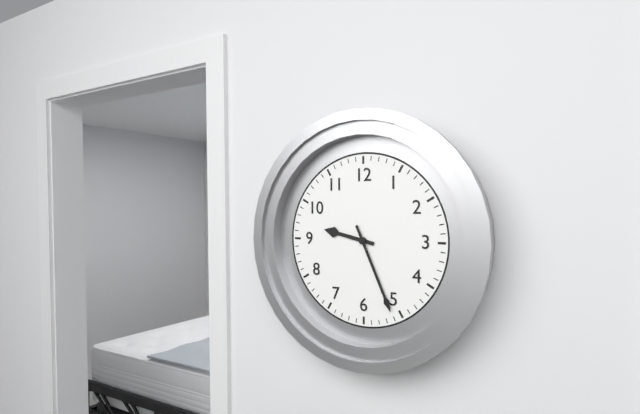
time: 9:26
